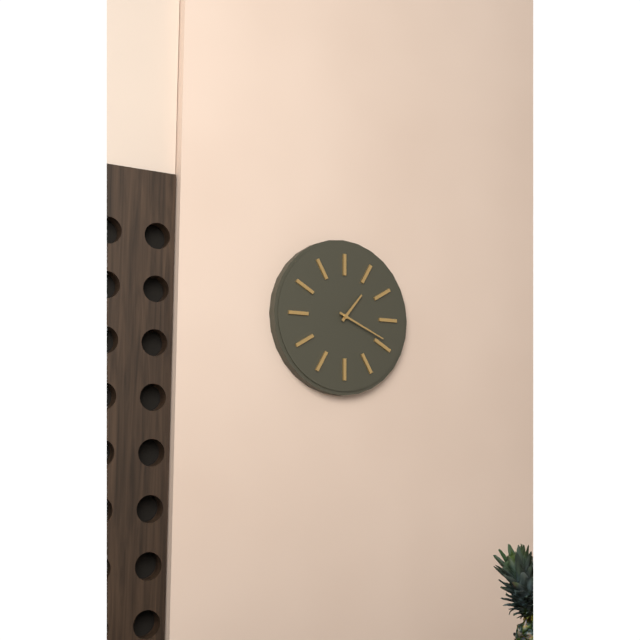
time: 1:19
